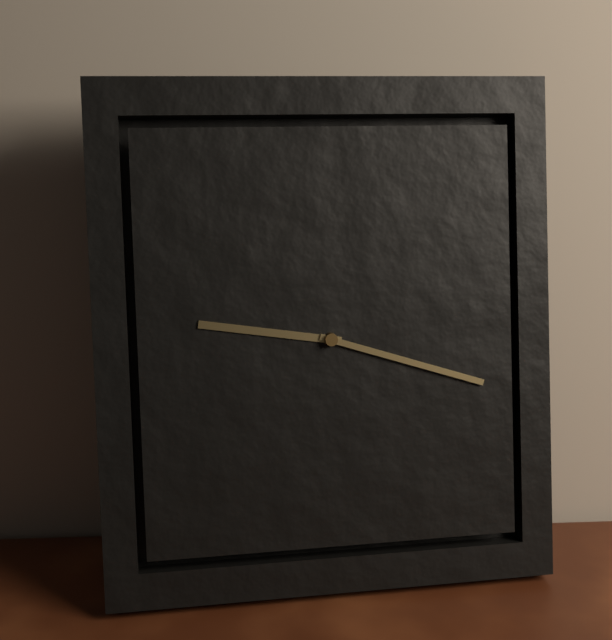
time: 9:18
